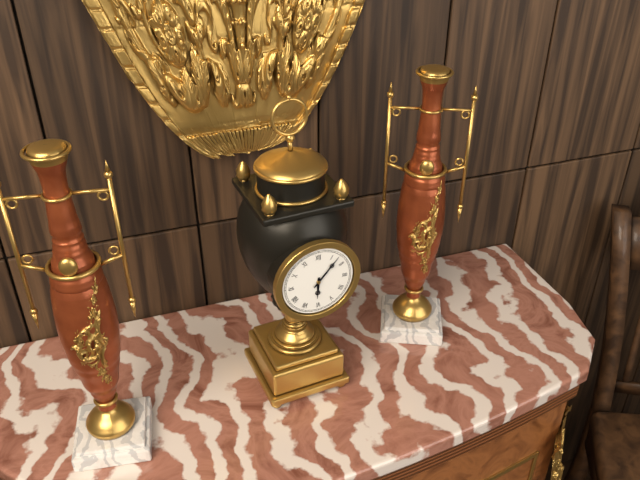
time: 6:07
